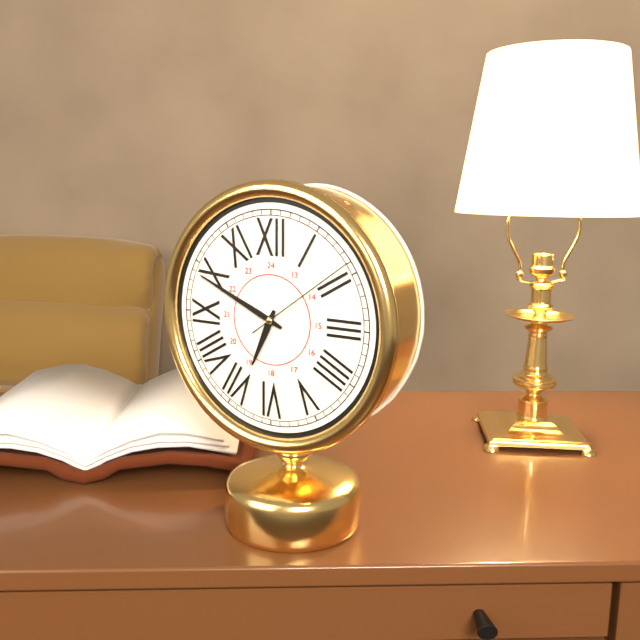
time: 6:49:09
